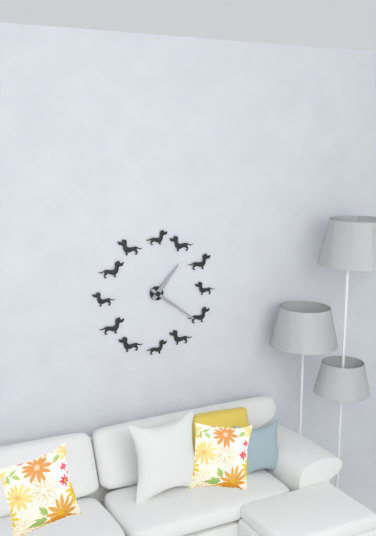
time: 1:21
